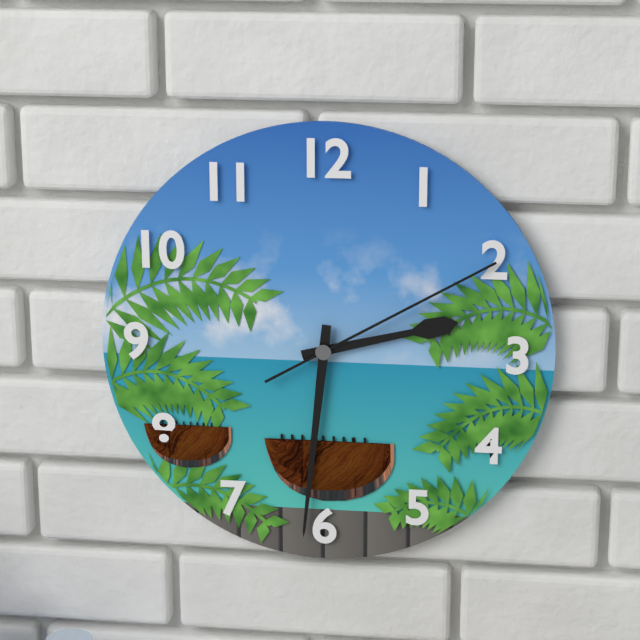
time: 2:31:10
